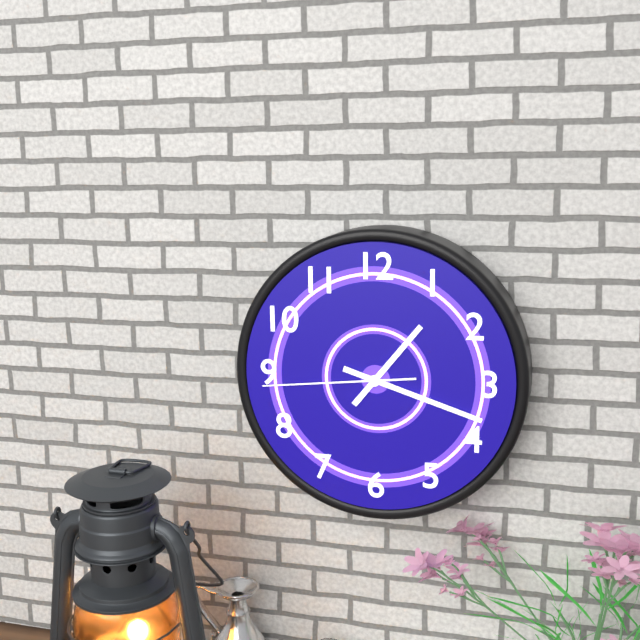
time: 1:18:44
